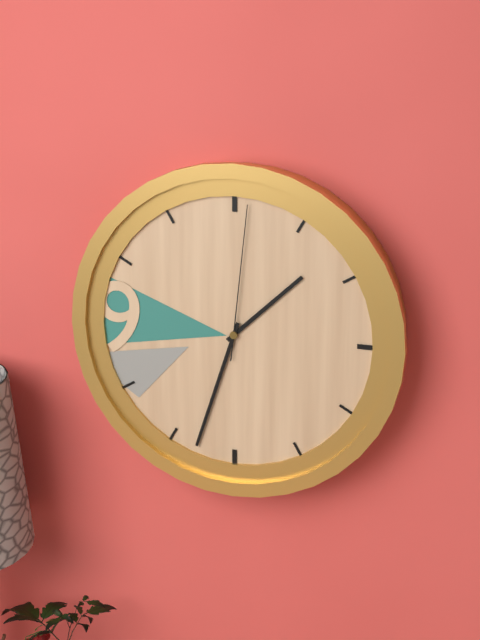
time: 1:33:01
